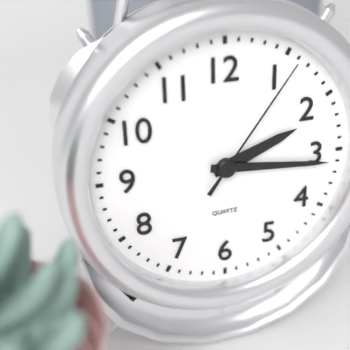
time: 2:16:06
